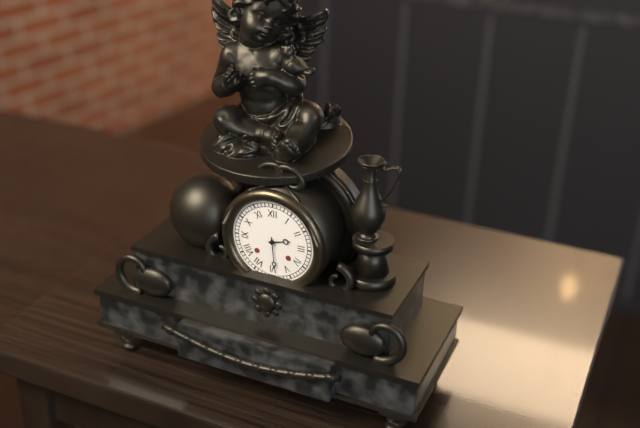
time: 2:29
